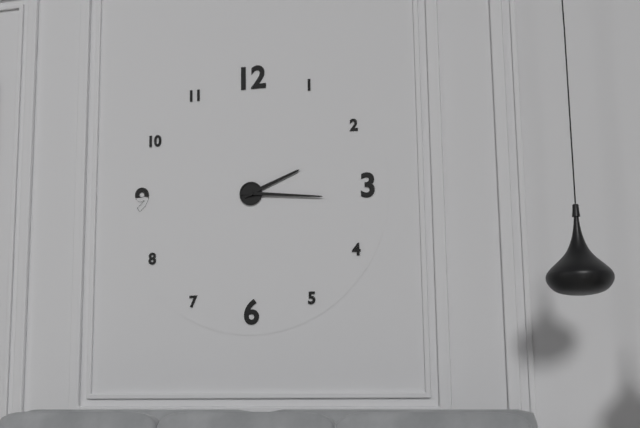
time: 2:16
